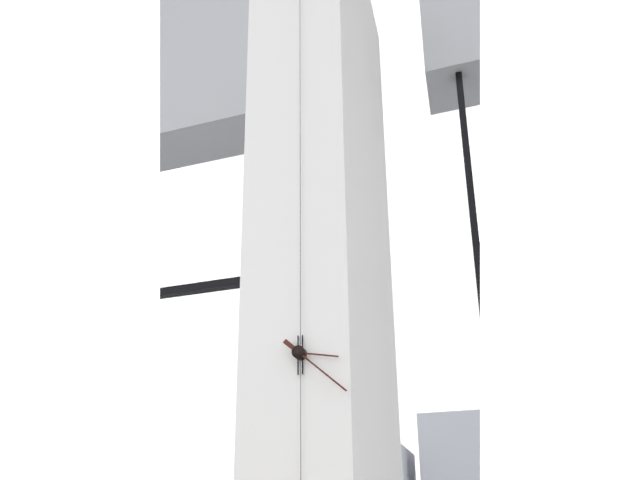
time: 3:22
